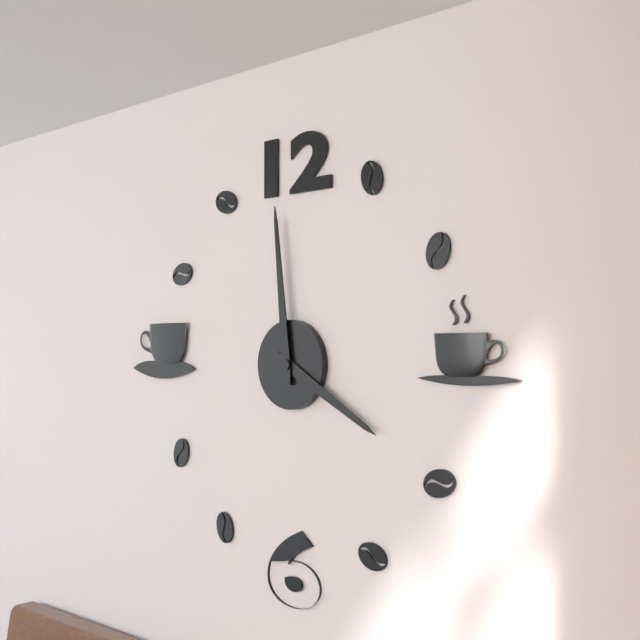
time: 3:59
